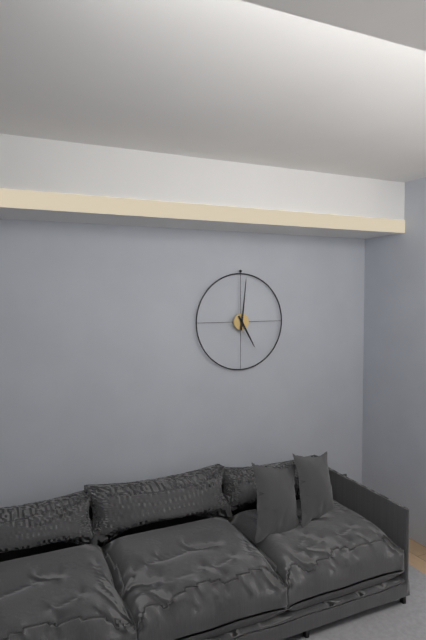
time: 5:01
